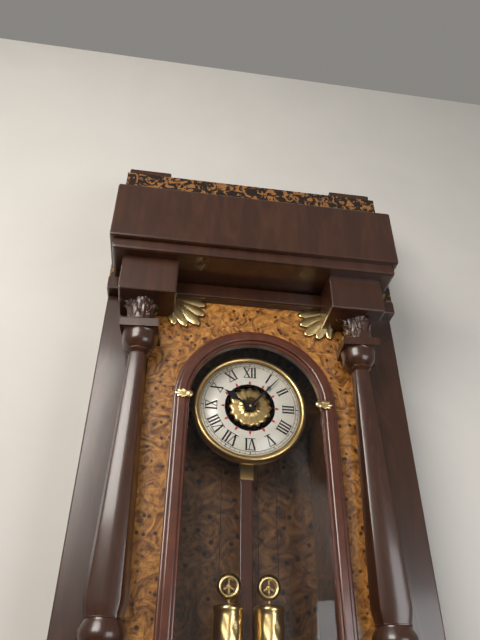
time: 10:07
